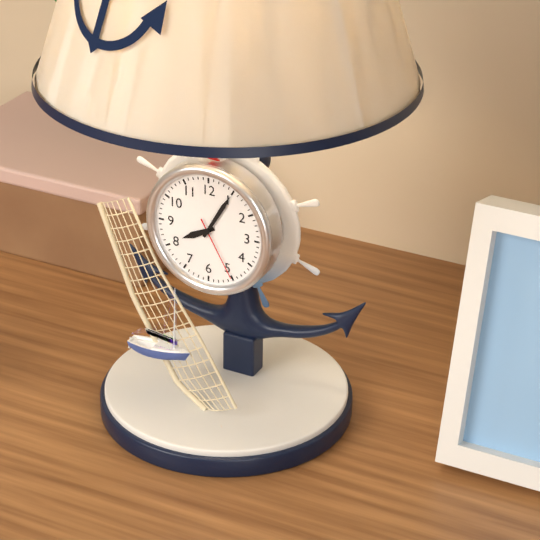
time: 8:05:25
